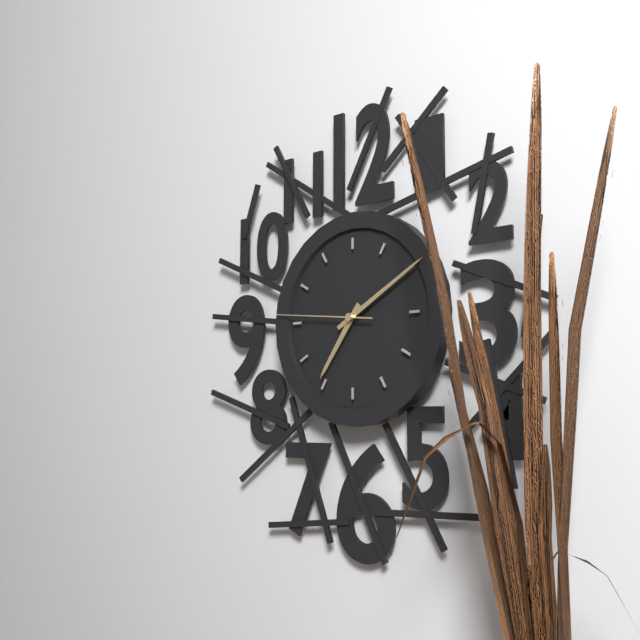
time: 7:10:46
